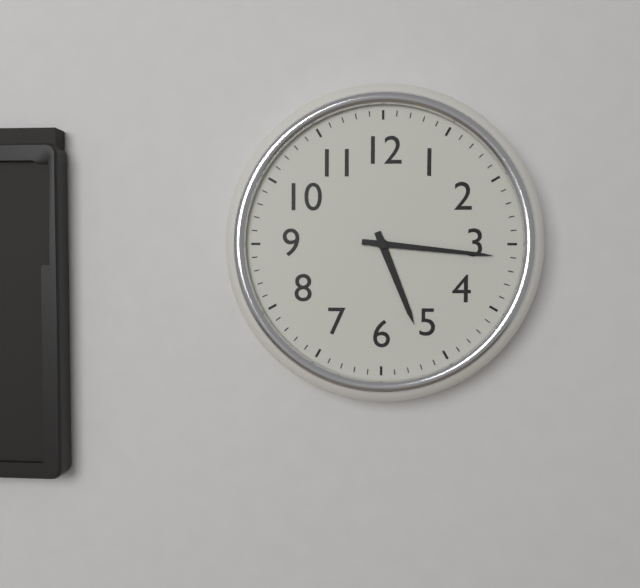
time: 5:16
